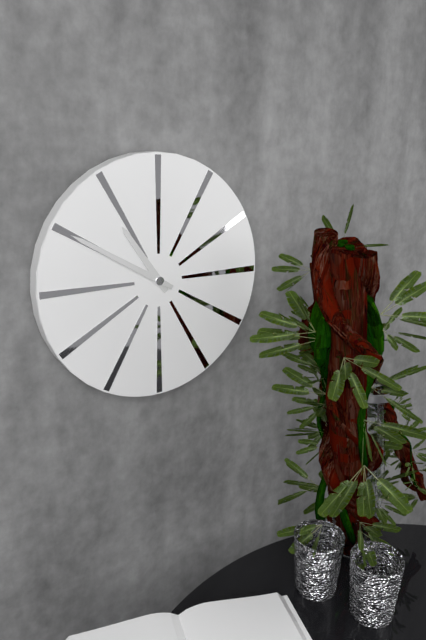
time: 10:50
